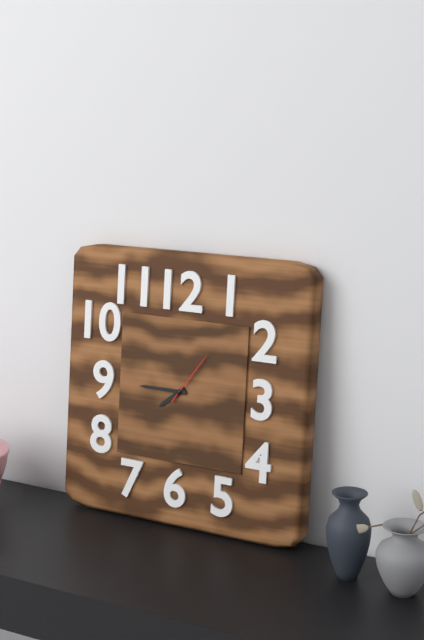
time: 7:45:06
